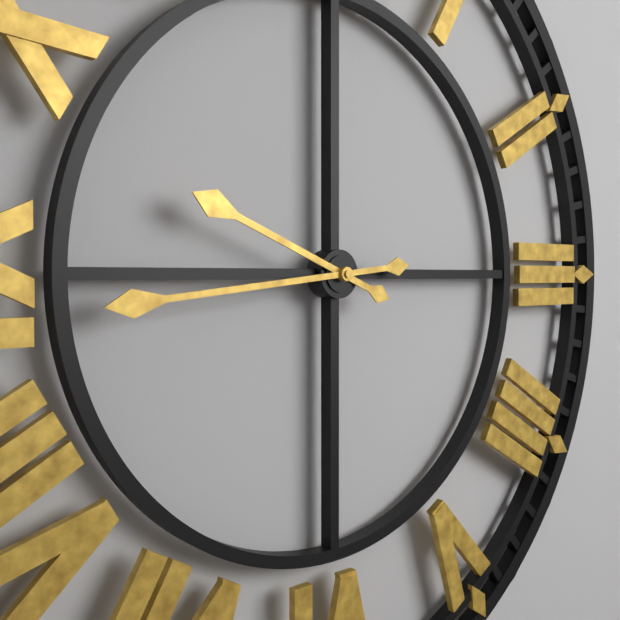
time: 9:44
